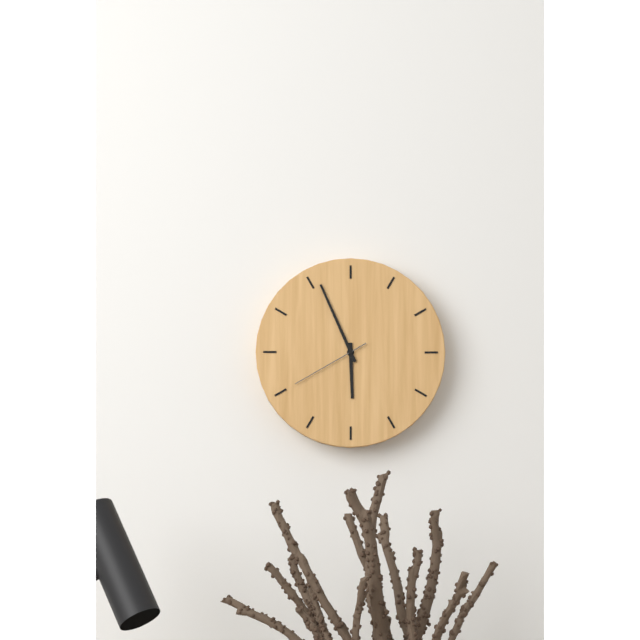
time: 5:56:40
